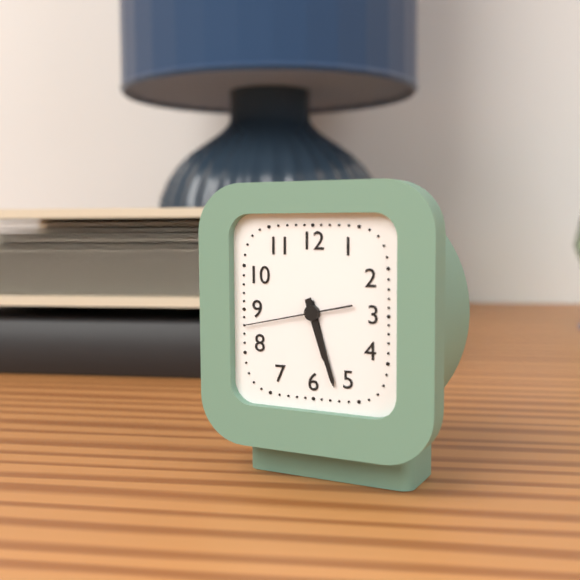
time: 5:27:43
